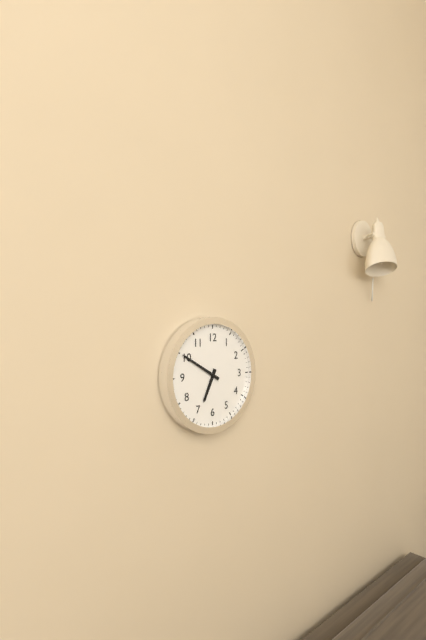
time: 6:50
